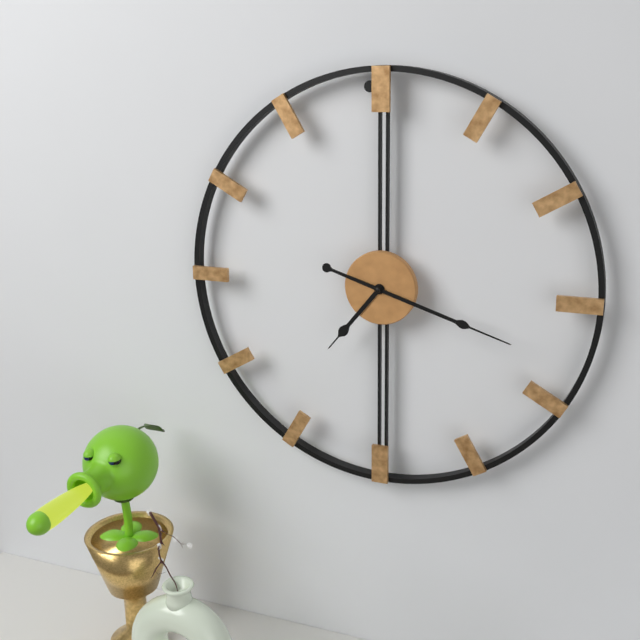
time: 7:18
